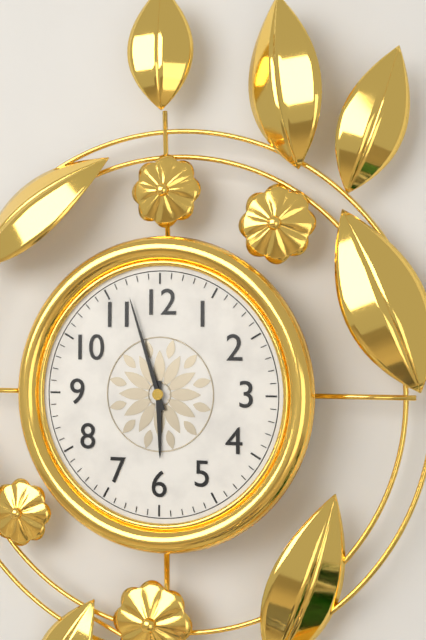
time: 5:57
